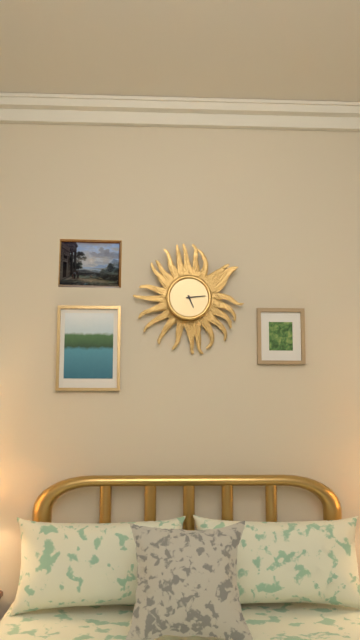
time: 5:14
